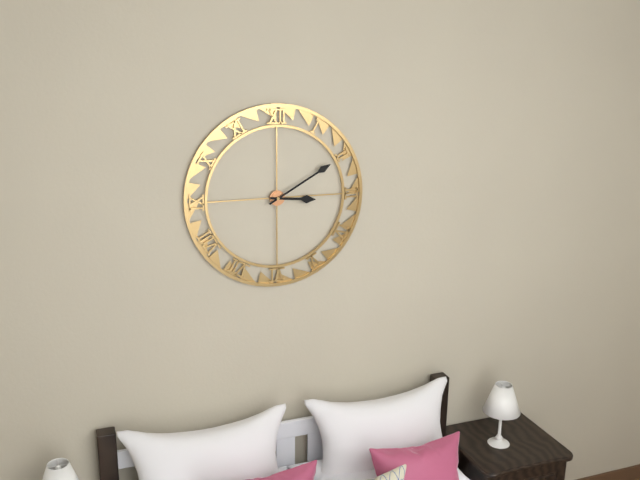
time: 3:10
